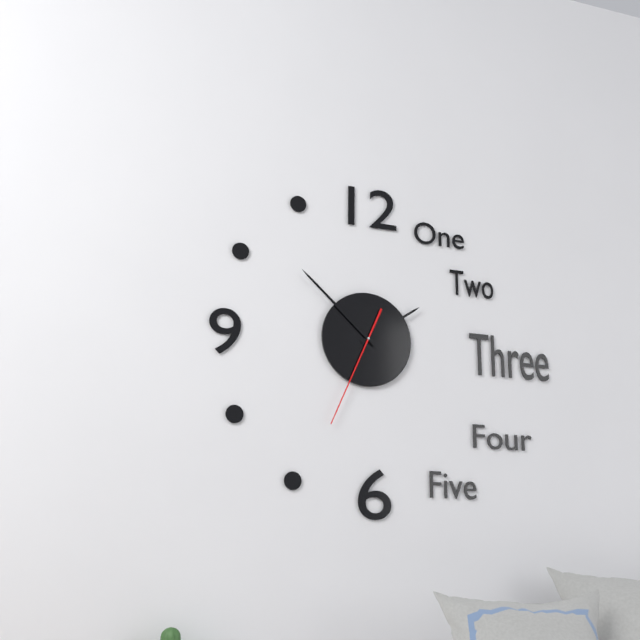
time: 1:52:34
